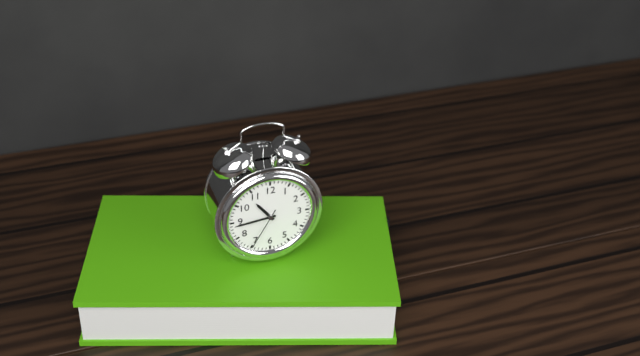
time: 10:44
